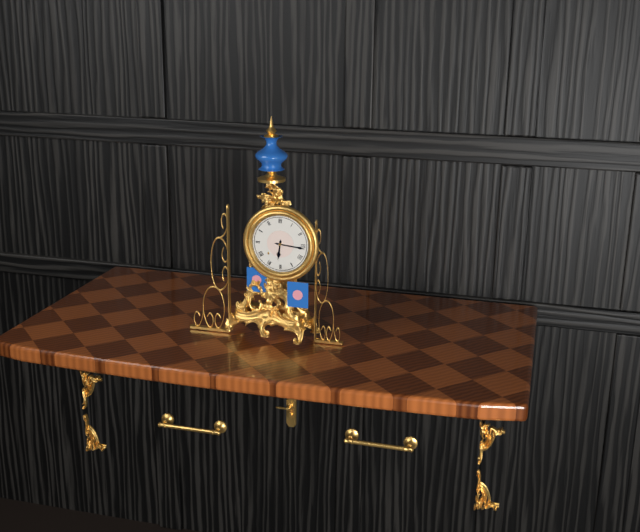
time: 6:16
